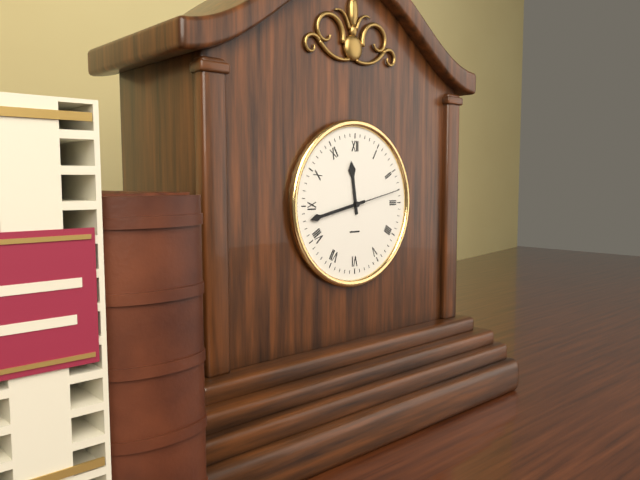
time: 11:43:13
